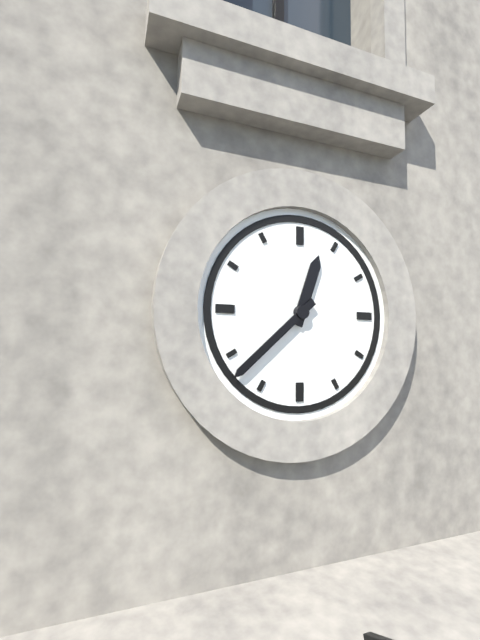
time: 12:38
